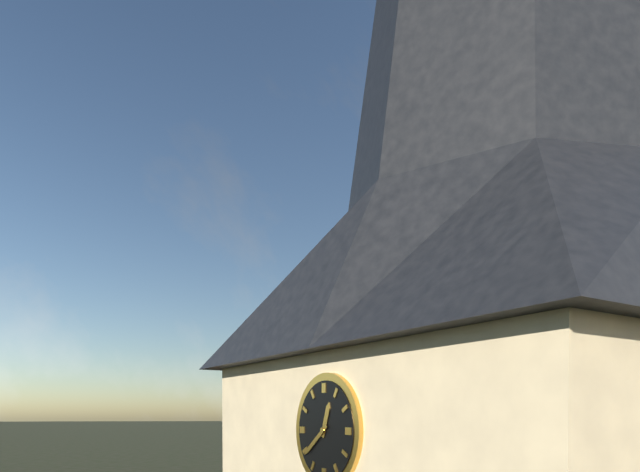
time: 12:39
